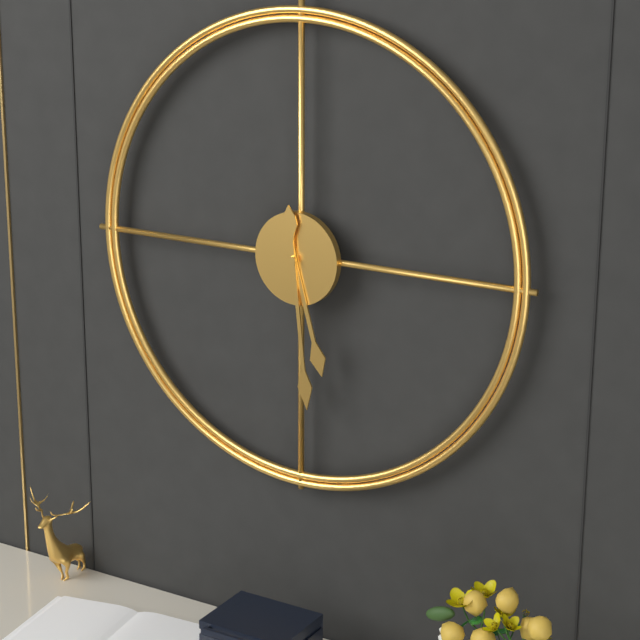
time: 5:29
